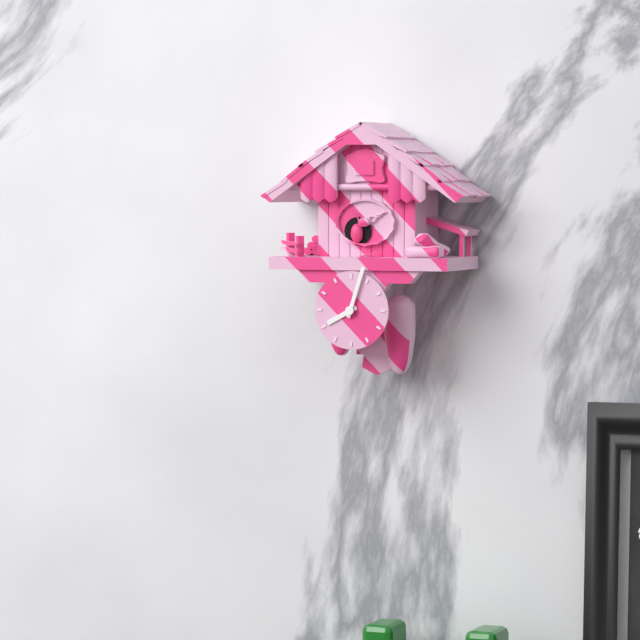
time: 8:03
